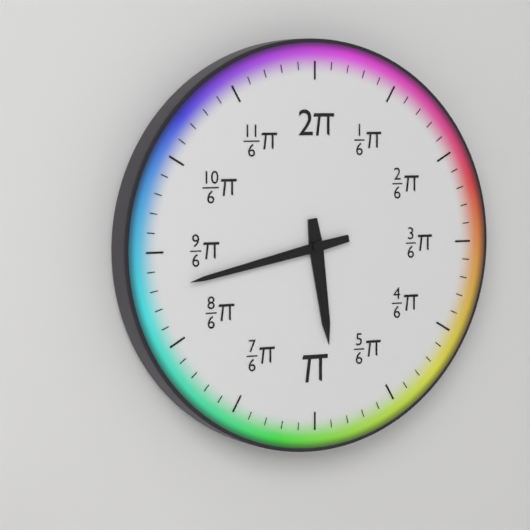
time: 5:43
